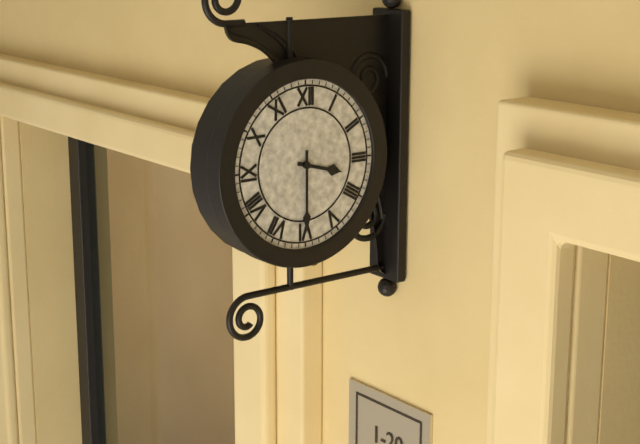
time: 3:30
